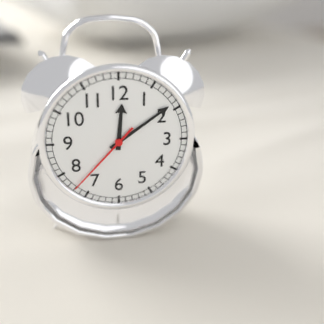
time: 12:09:37
